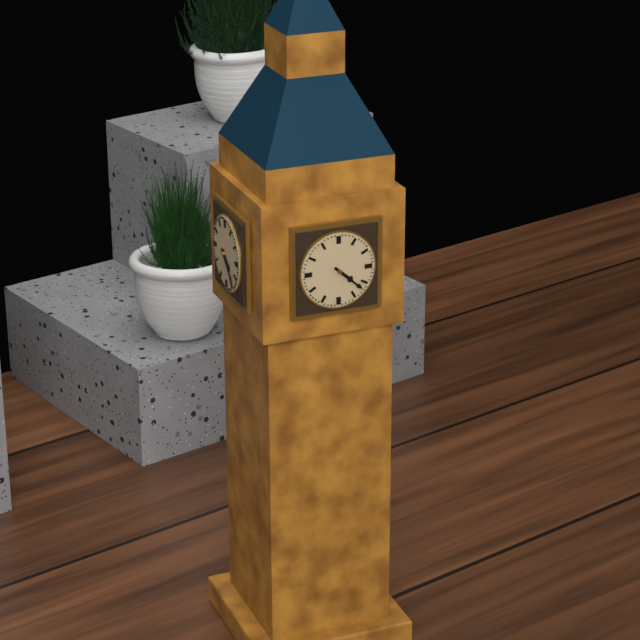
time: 4:22
